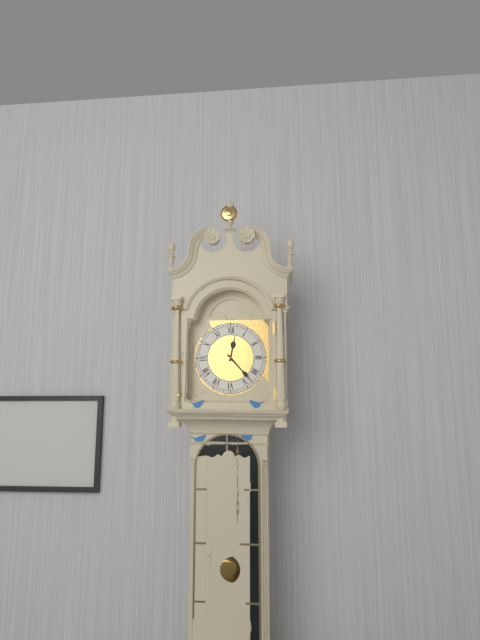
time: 12:23
